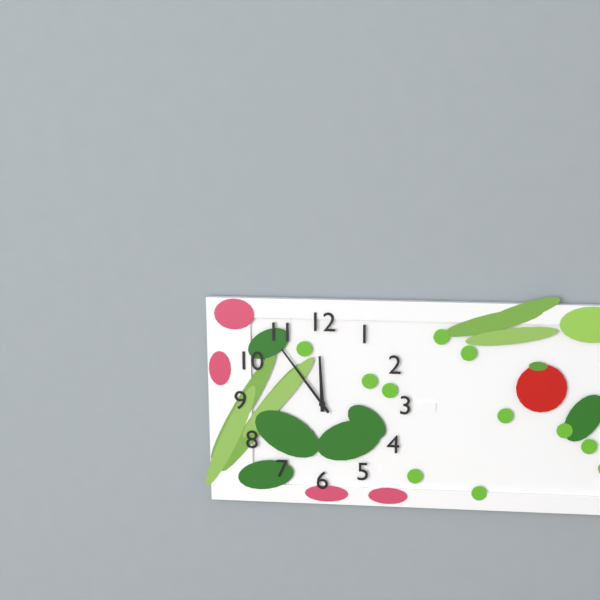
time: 11:54
